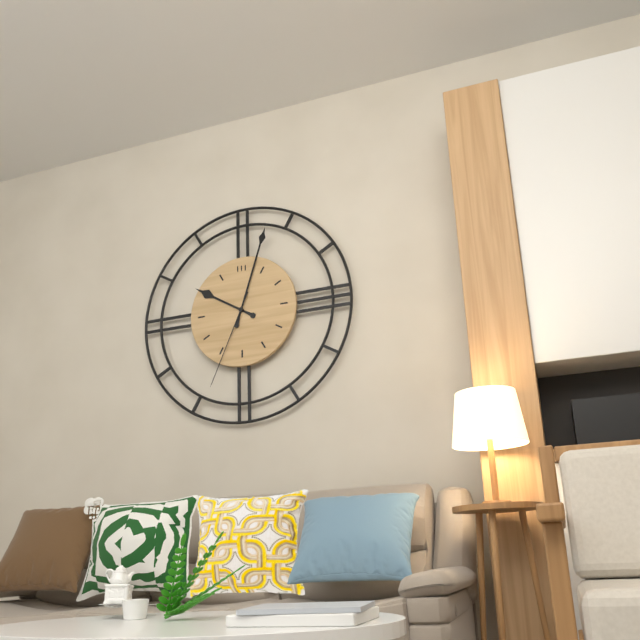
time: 10:03:34
